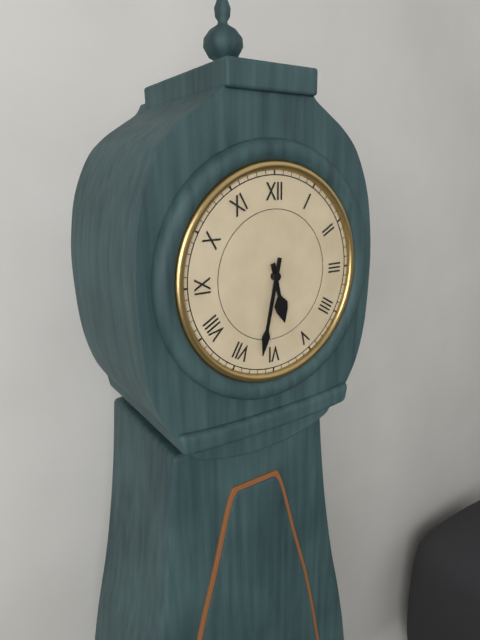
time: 5:32
